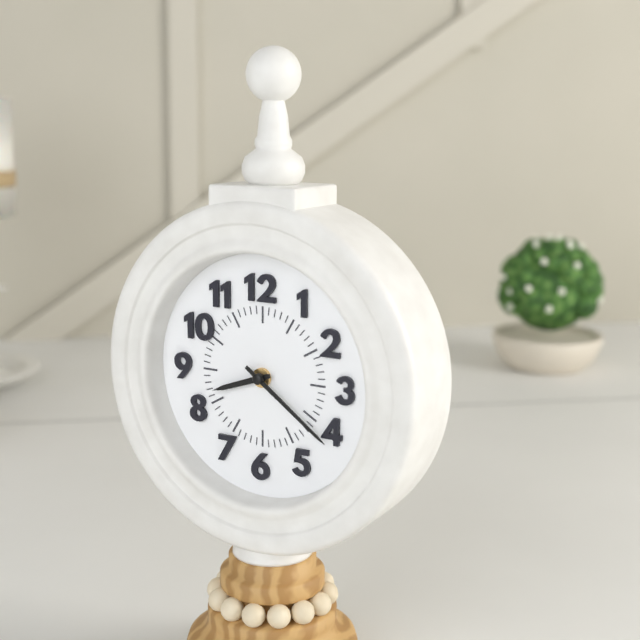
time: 8:21
